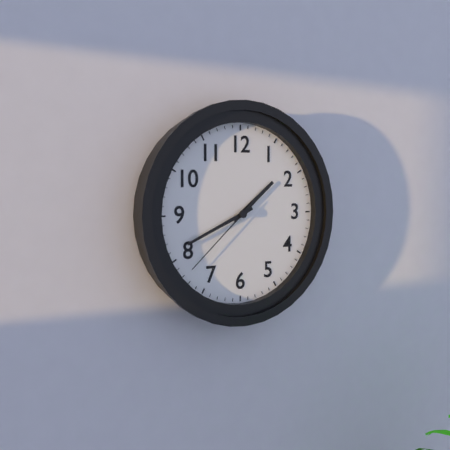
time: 1:41:38
